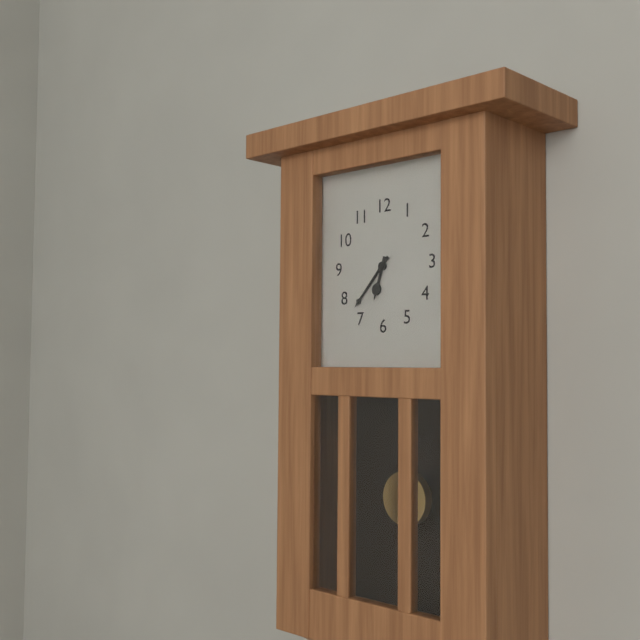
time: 6:37
